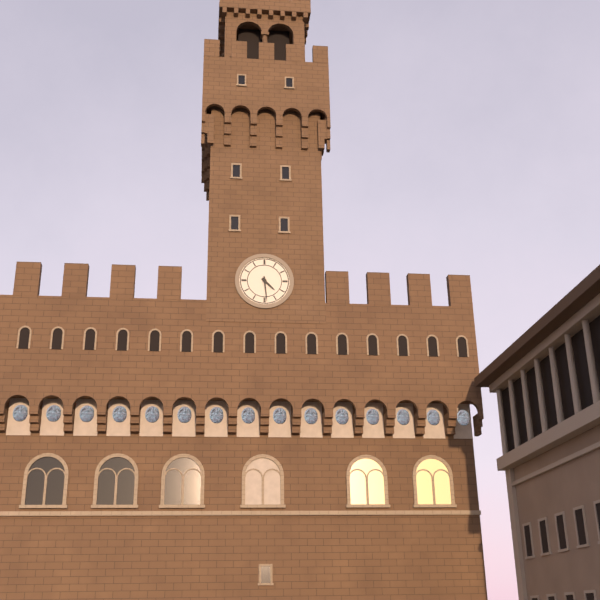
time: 4:29
